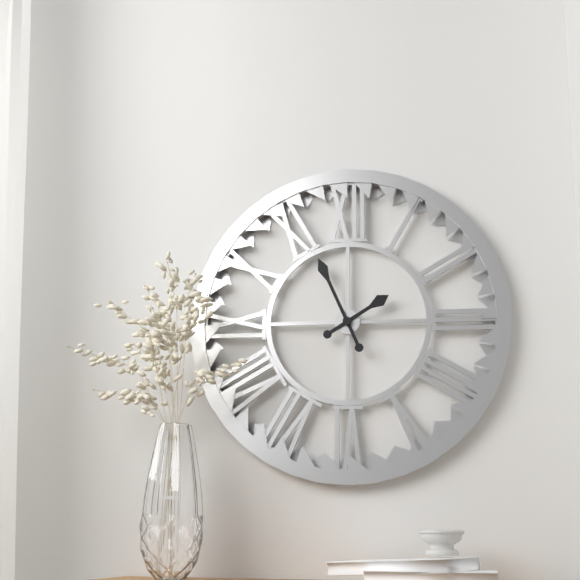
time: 1:56
